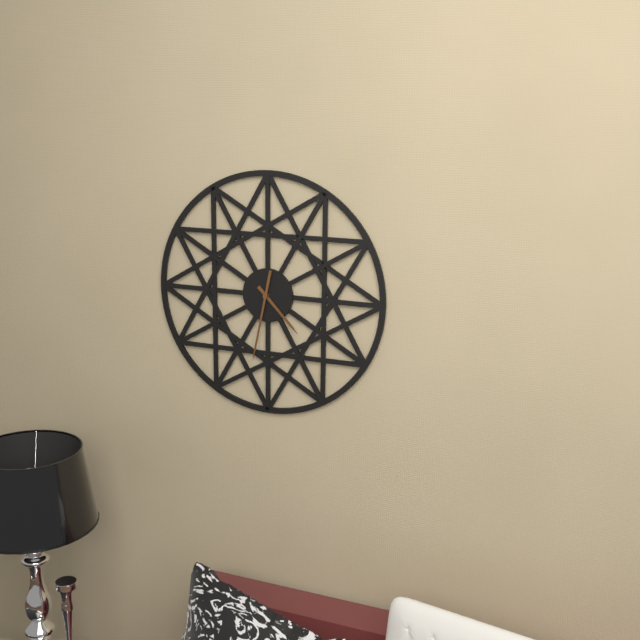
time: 4:32
